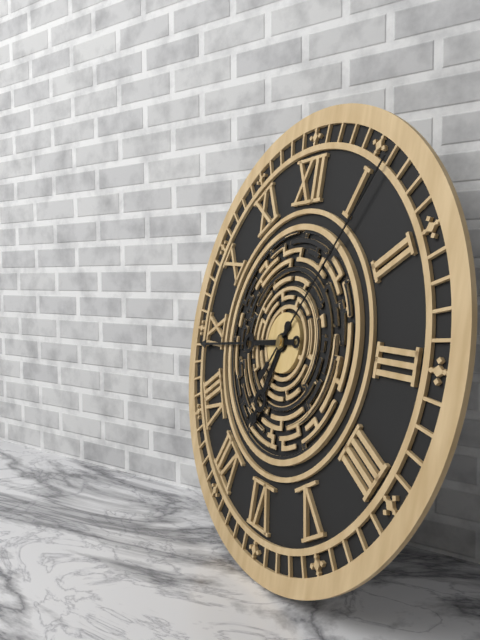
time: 6:44:06
